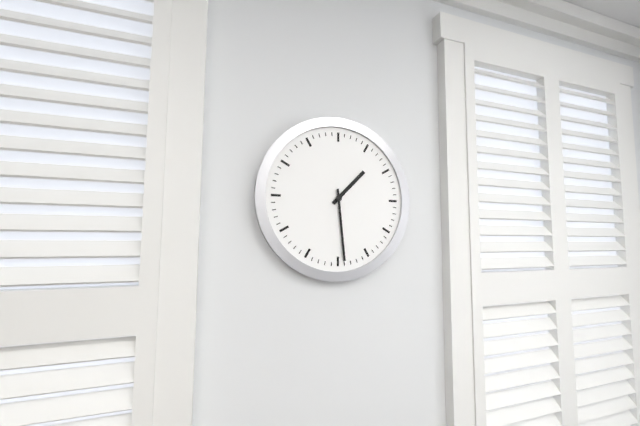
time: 1:29
